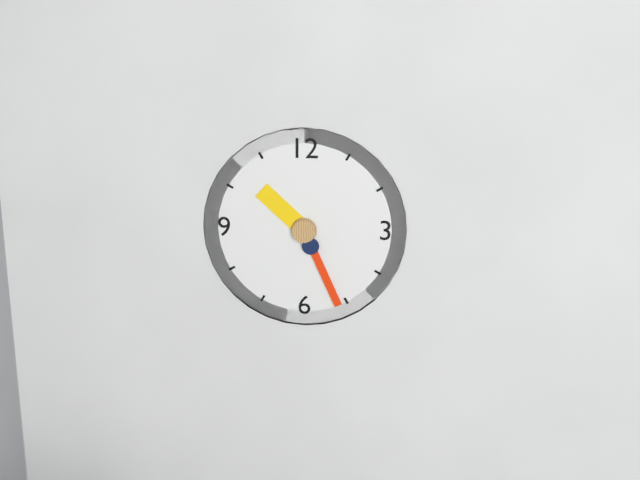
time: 10:26
